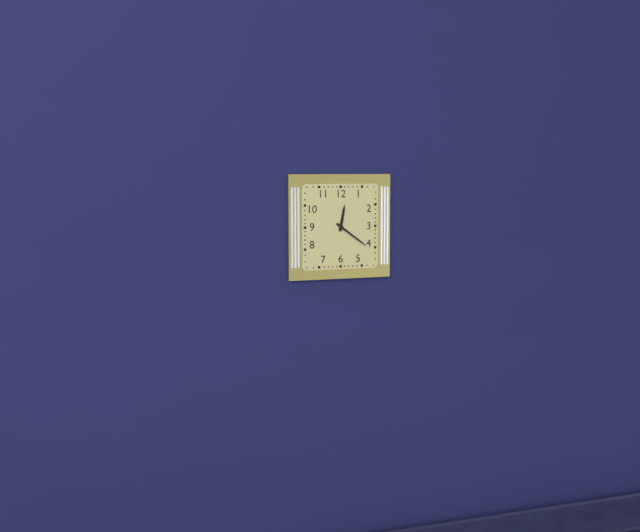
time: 12:21
